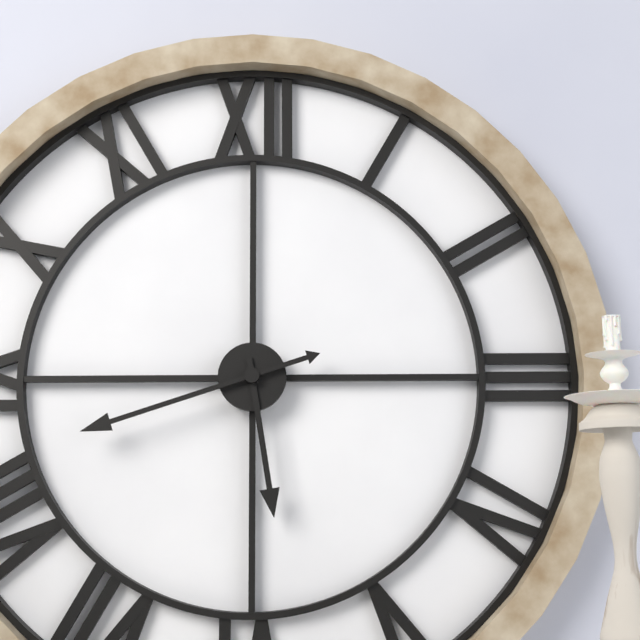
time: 5:42
